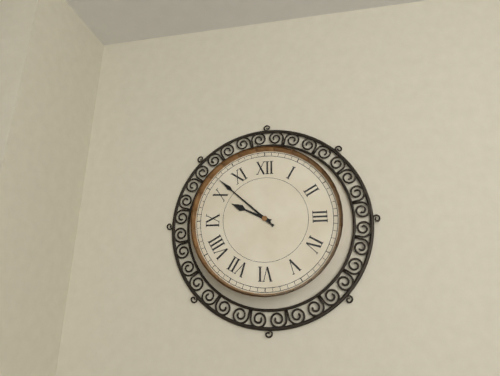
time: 9:52
